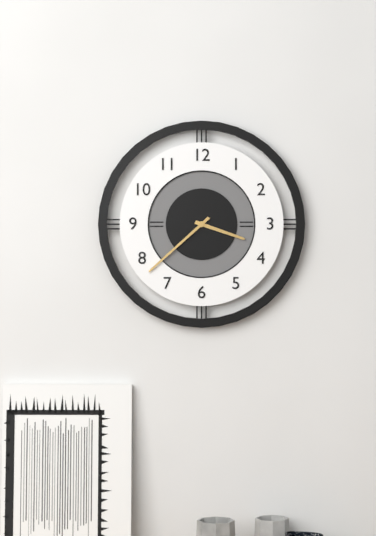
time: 3:38
